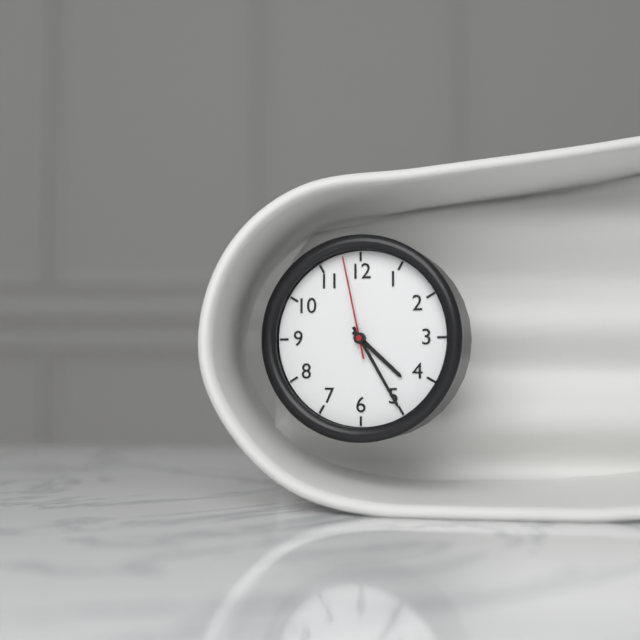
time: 4:25:58
